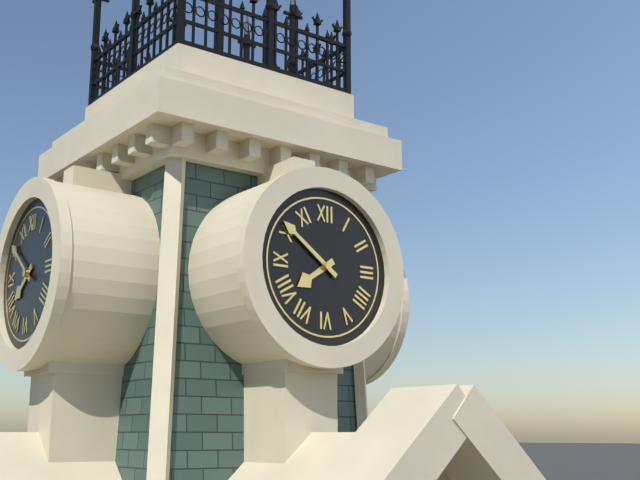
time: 7:51
